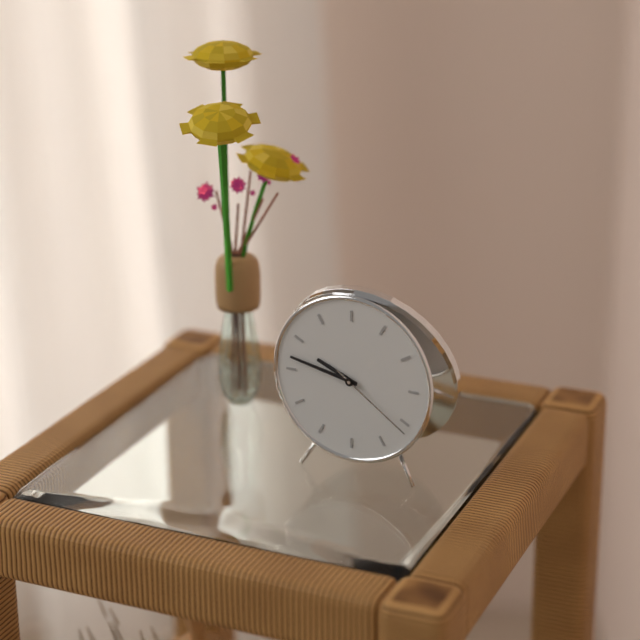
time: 9:47:21
